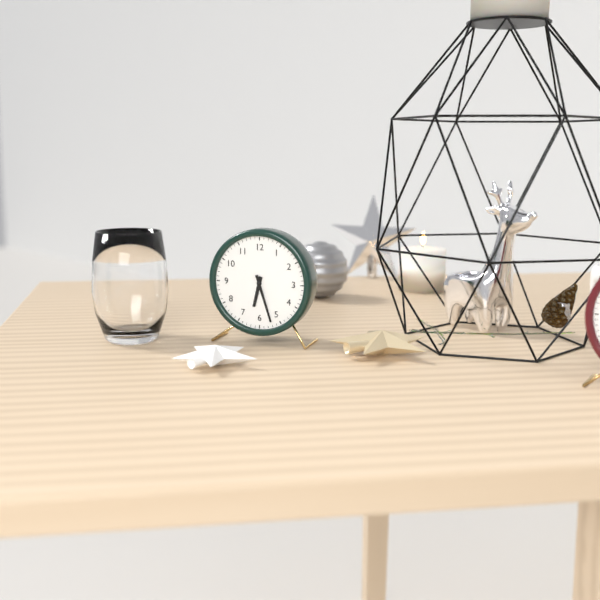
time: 6:27
